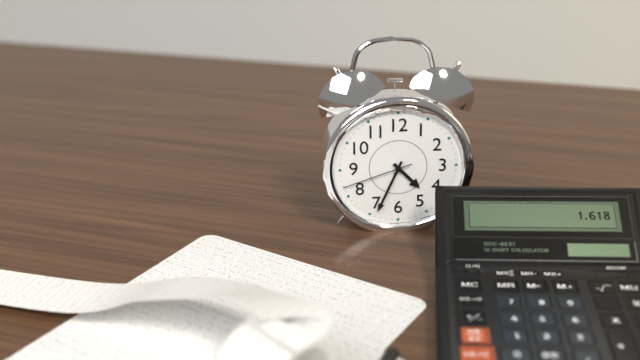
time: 4:34:42
